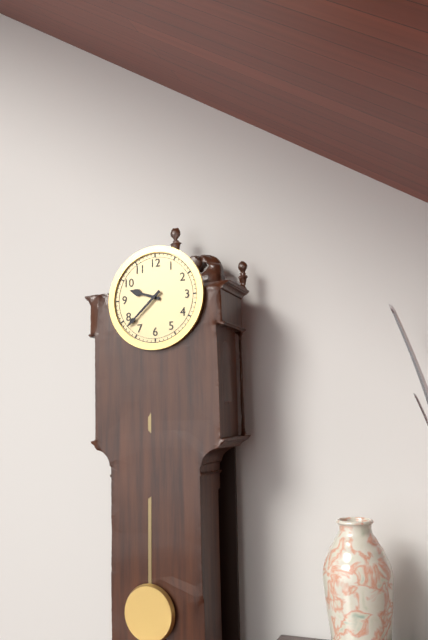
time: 9:38
